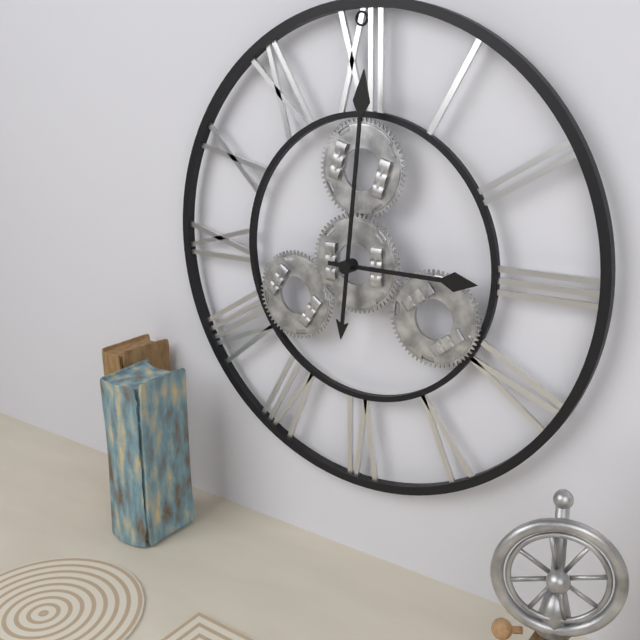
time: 3:01
